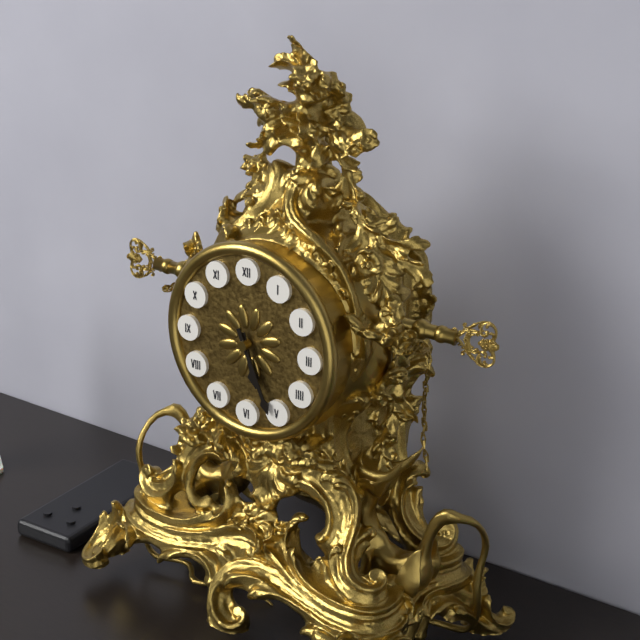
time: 5:26
